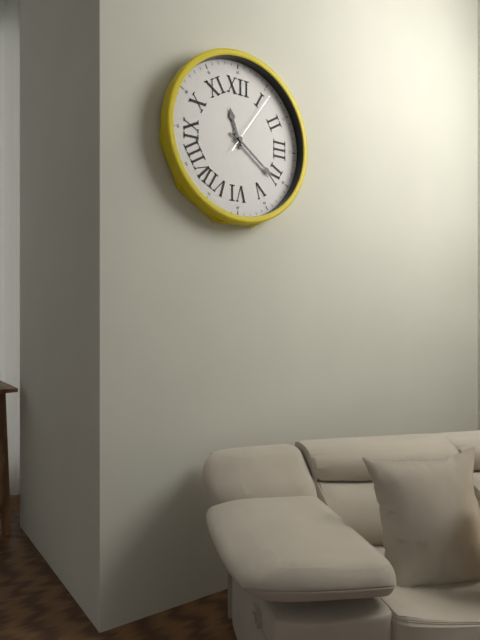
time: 11:21:06
